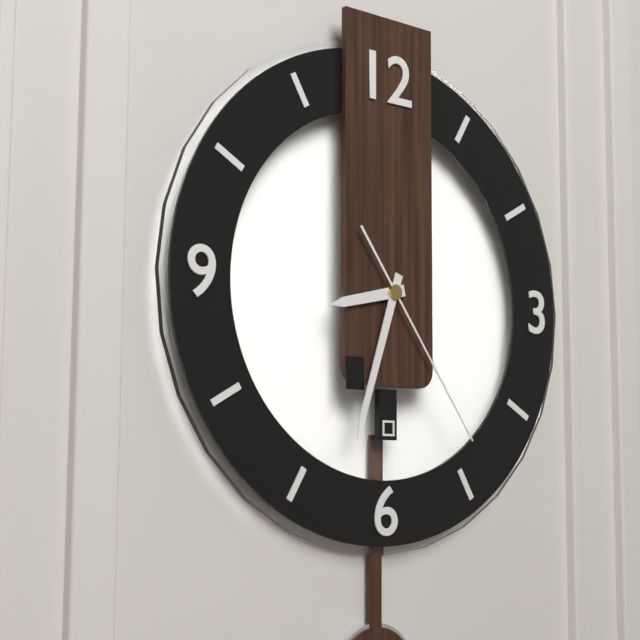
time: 8:33:24
